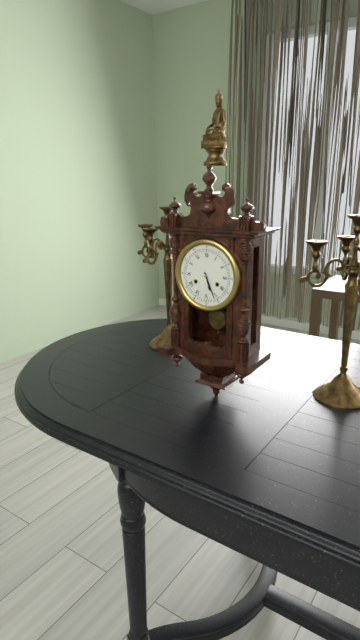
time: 5:26
